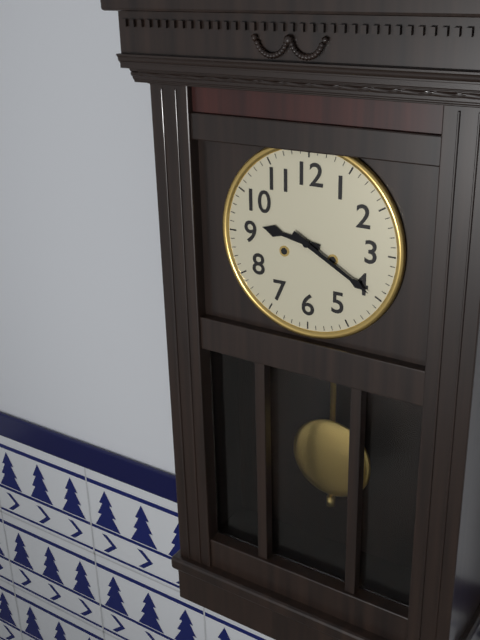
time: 9:20
